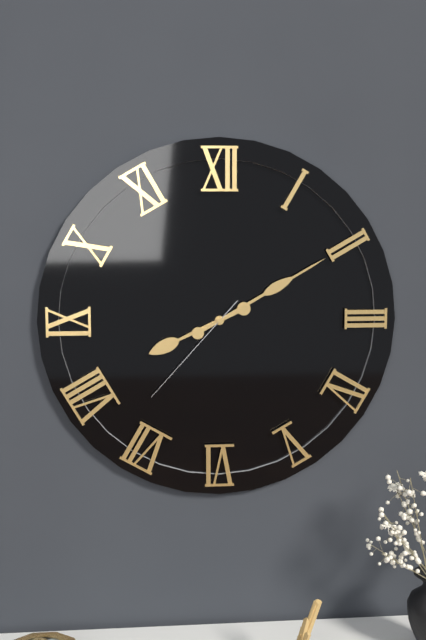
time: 8:10:37
